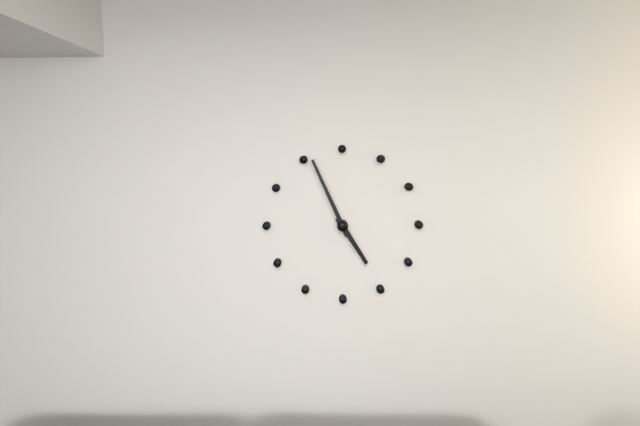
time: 4:56
